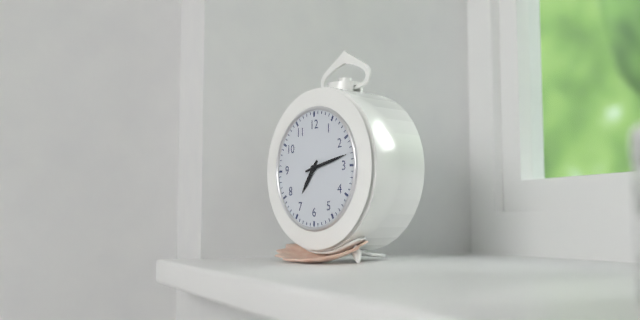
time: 7:13
